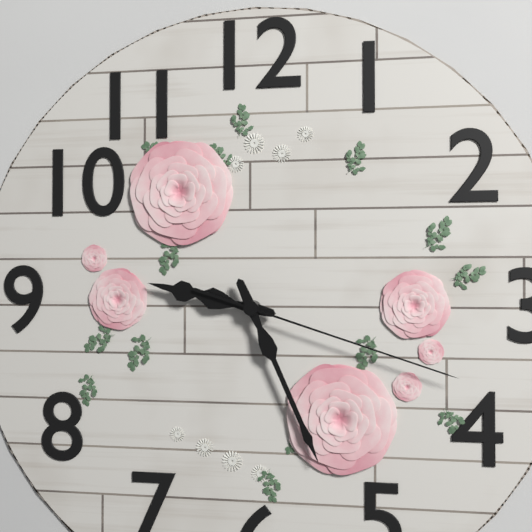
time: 9:26:18
